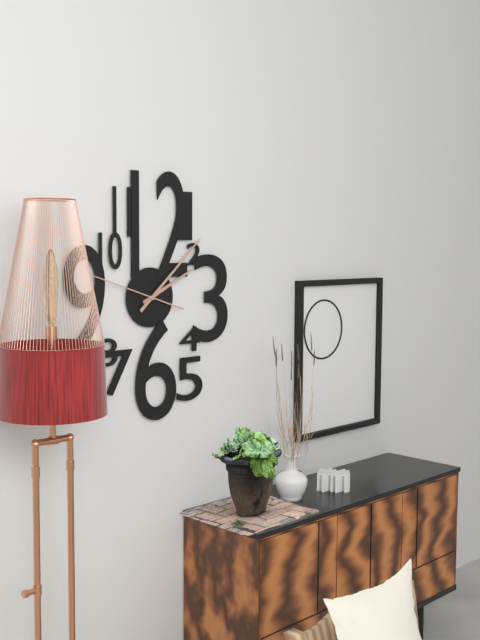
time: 2:08:48
